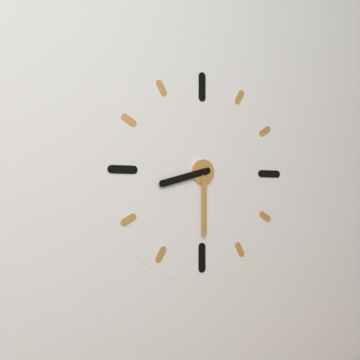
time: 8:30
